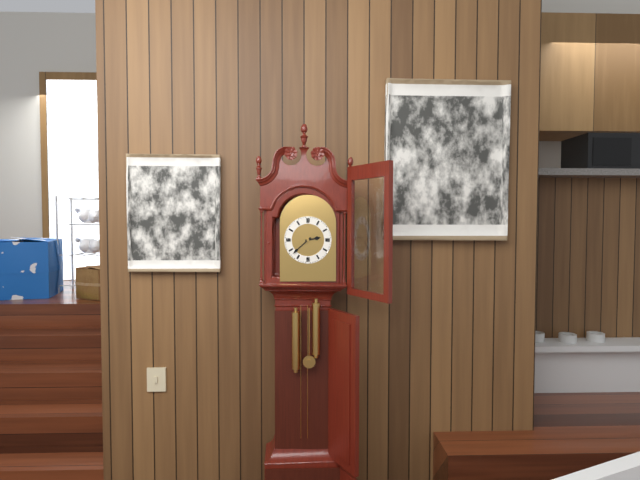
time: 2:38
